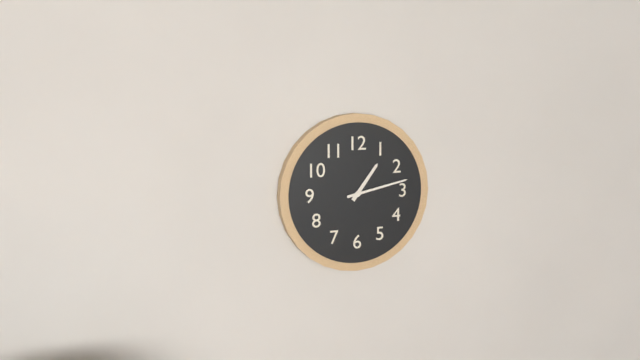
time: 1:13
